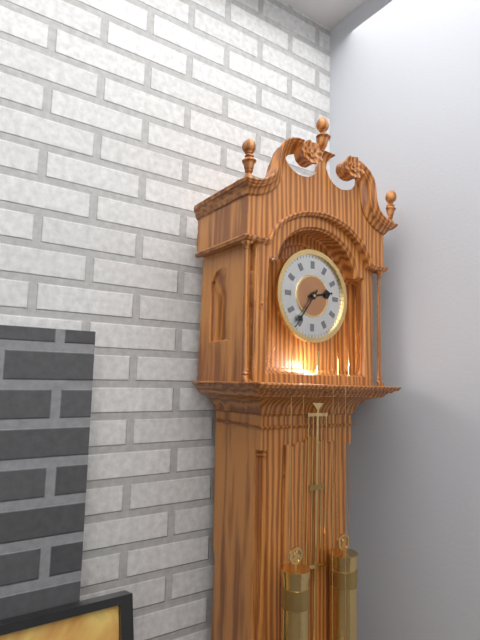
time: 2:36
